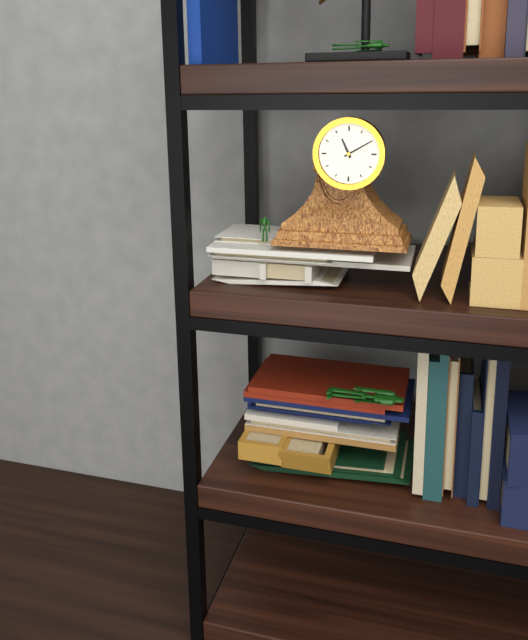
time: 11:10
